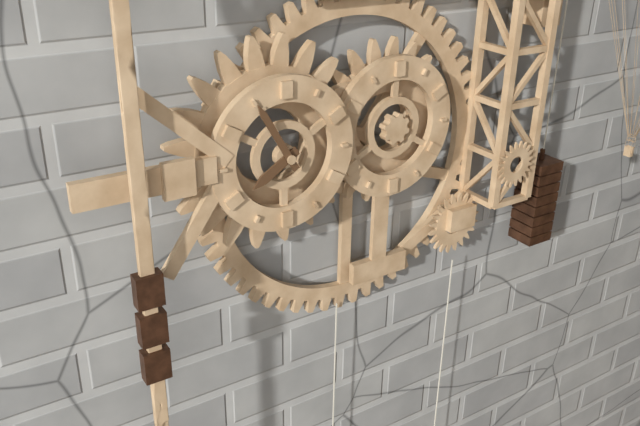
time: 7:55
